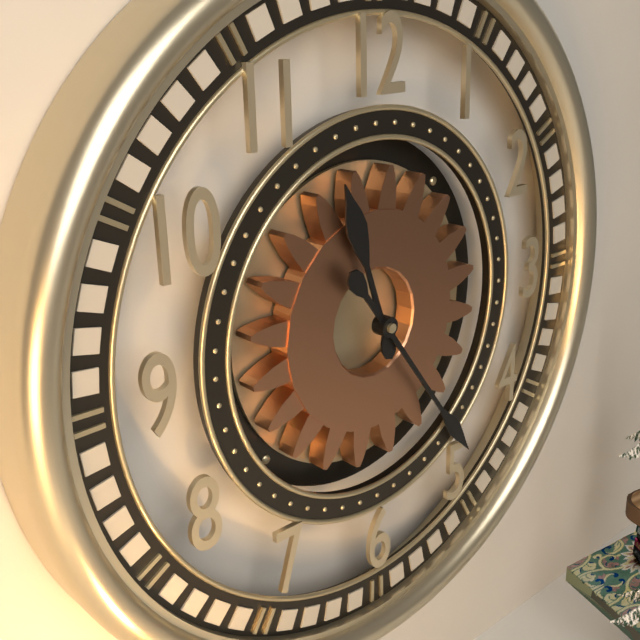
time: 11:24
